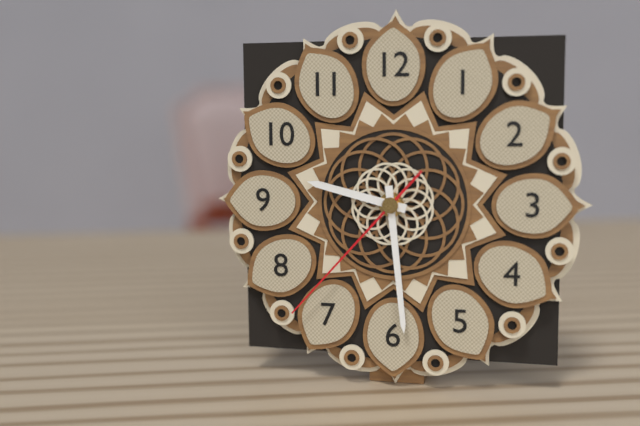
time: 9:29:37
